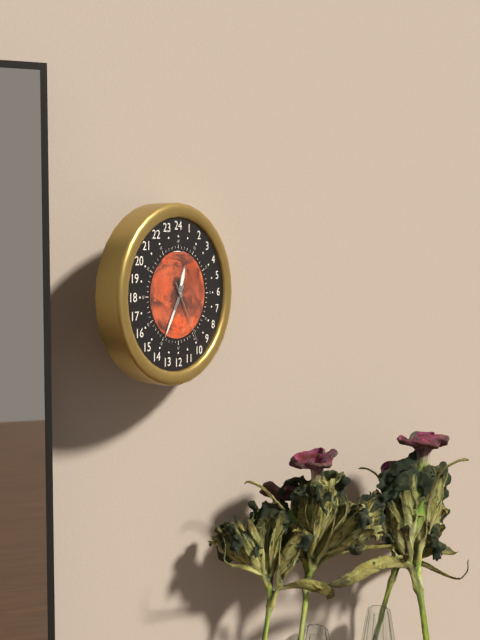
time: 12:35:25
